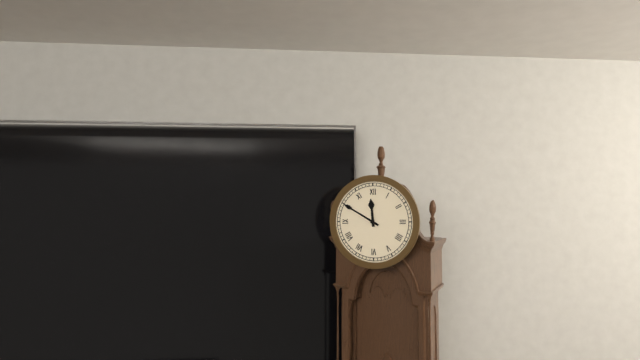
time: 11:50
